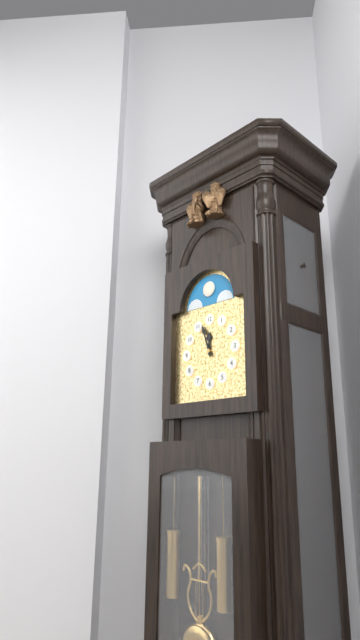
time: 11:57
